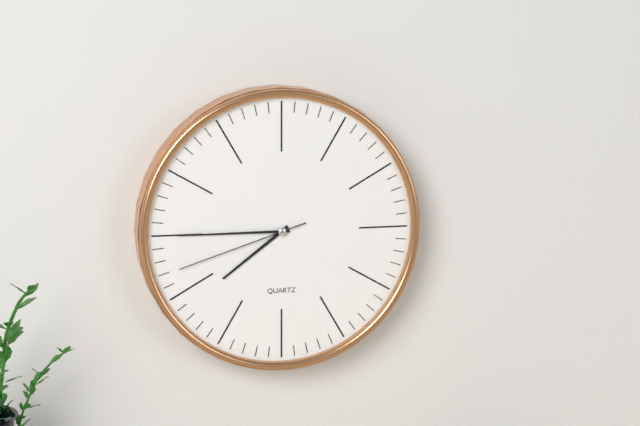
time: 7:45:42
